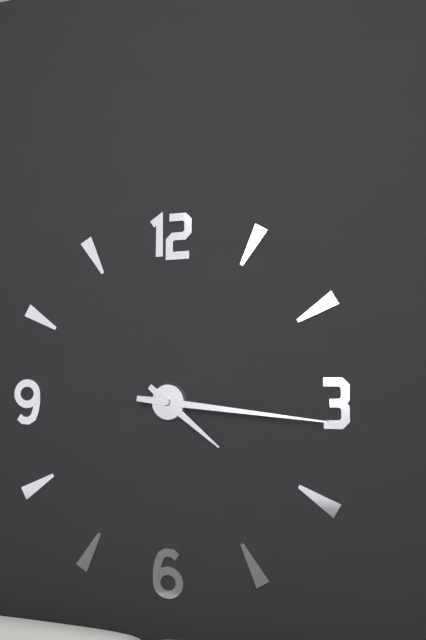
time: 4:16
